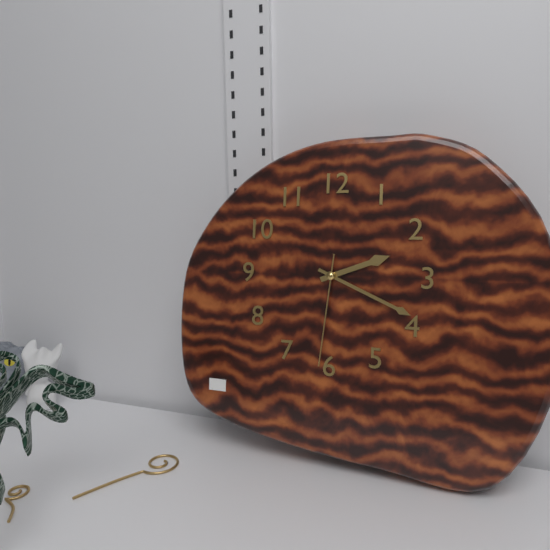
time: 2:19:31
